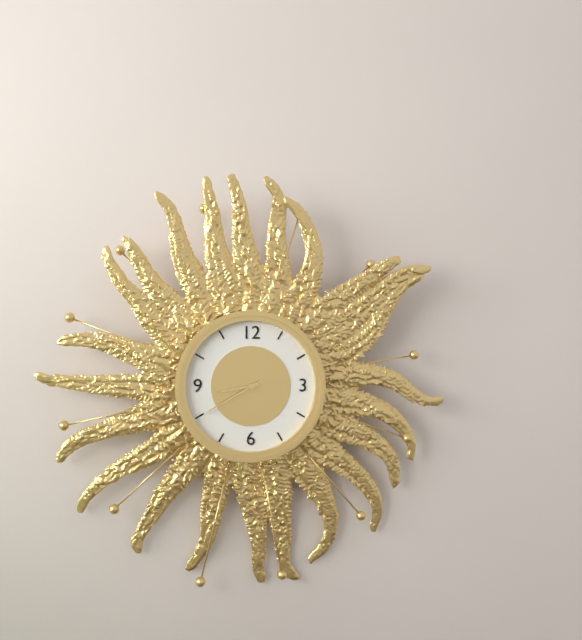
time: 8:40
